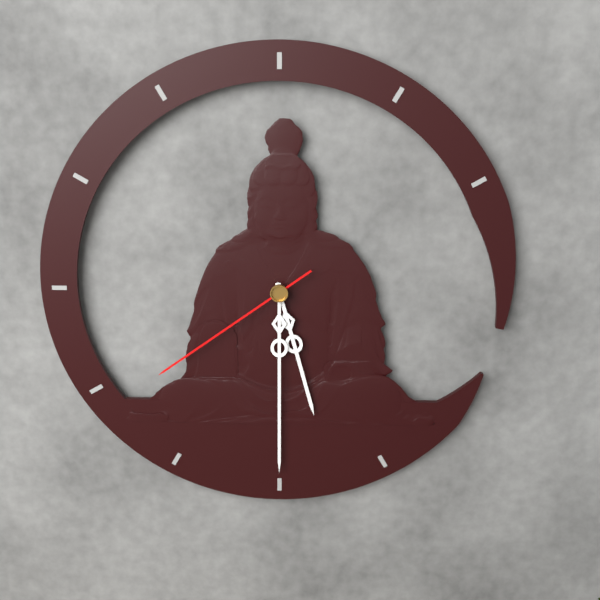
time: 5:30:39
